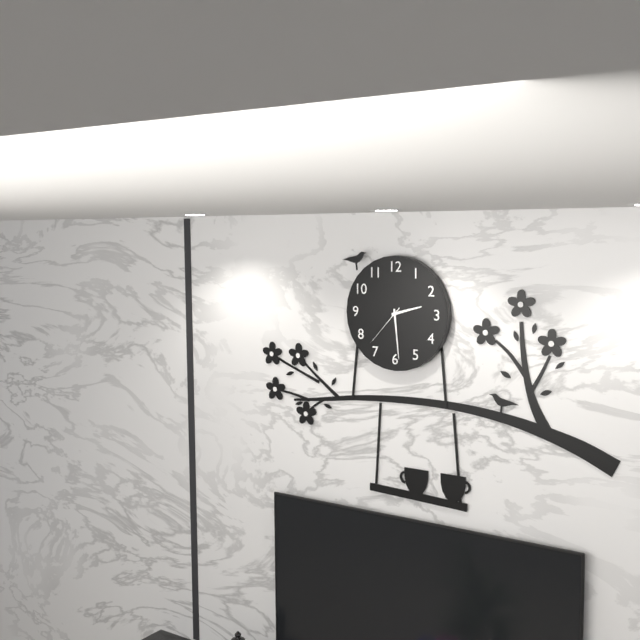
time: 2:29
